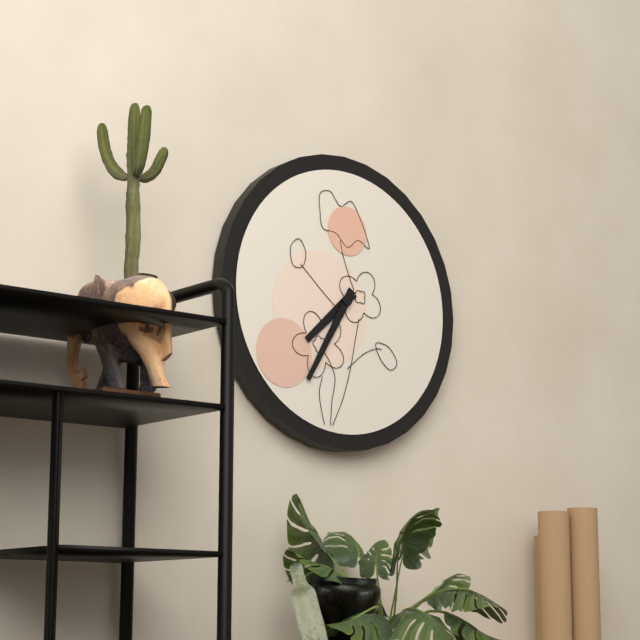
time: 7:35
